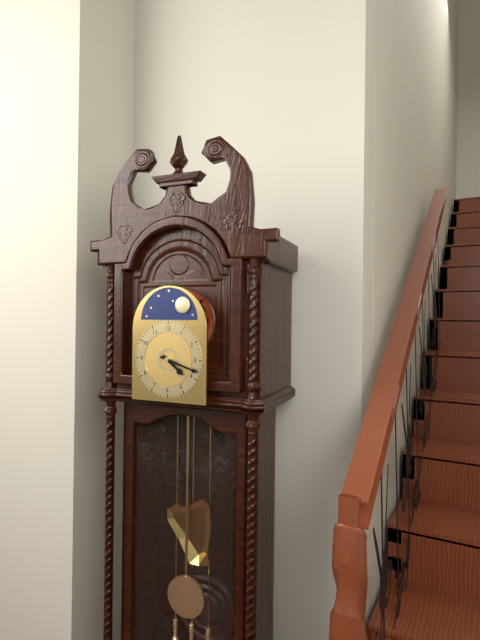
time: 4:18
